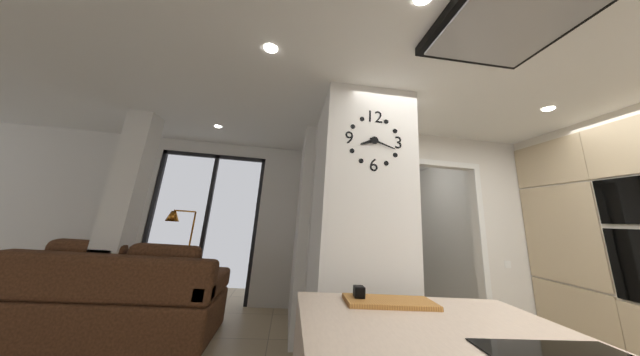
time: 8:18
